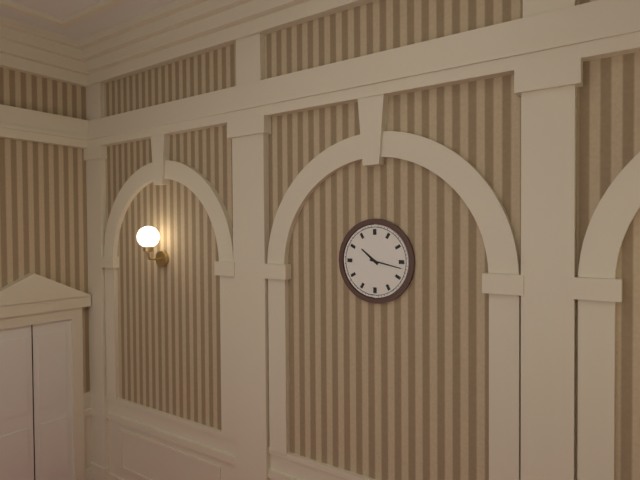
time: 10:17
